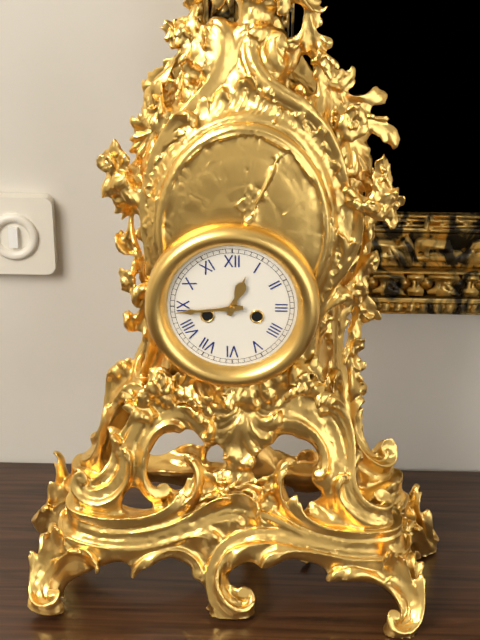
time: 12:44
